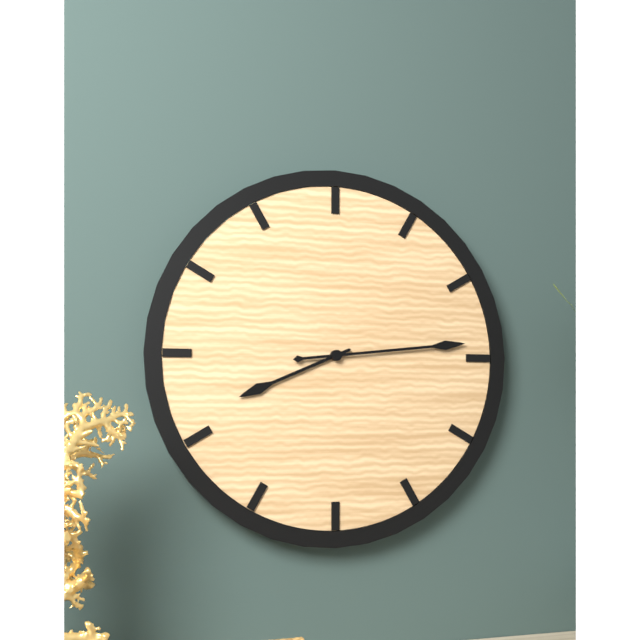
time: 8:14
